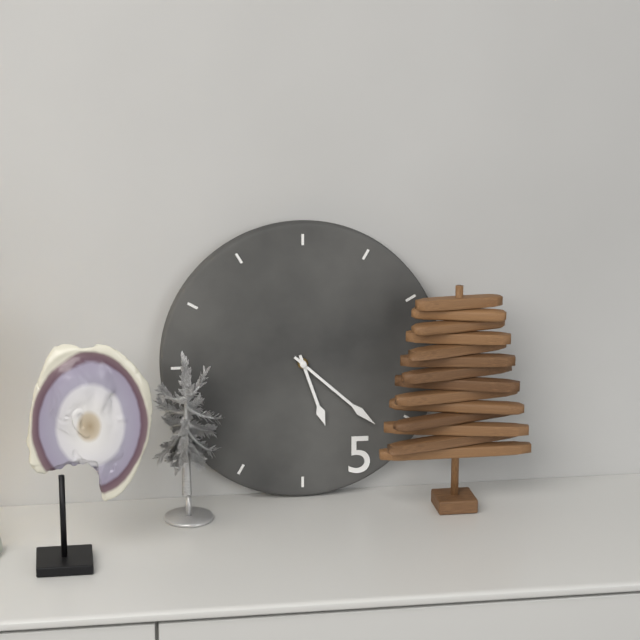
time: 5:22
